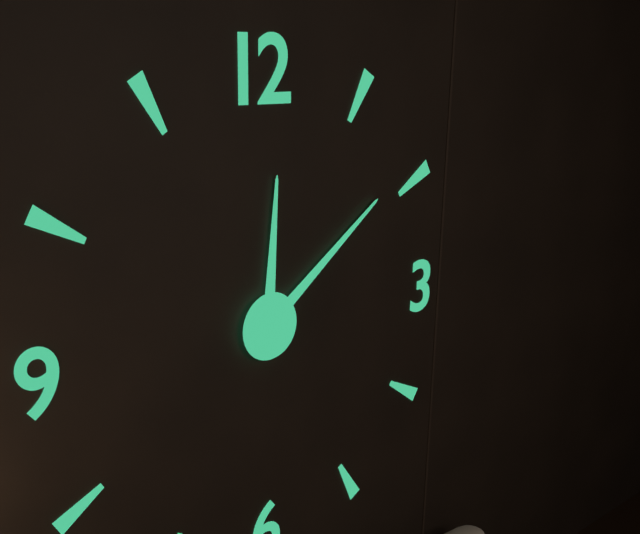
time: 12:09
